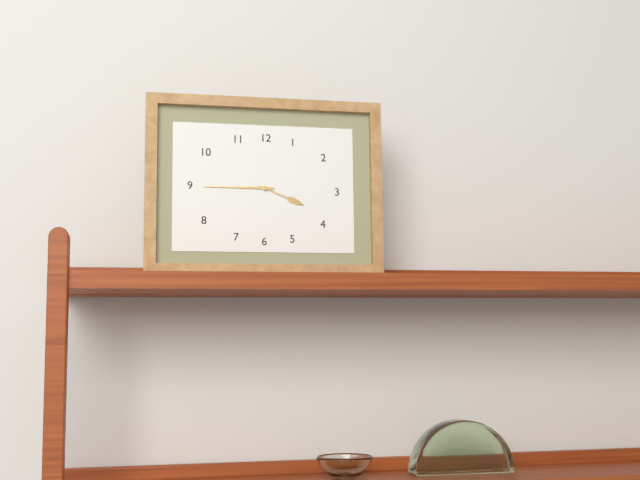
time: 3:45
